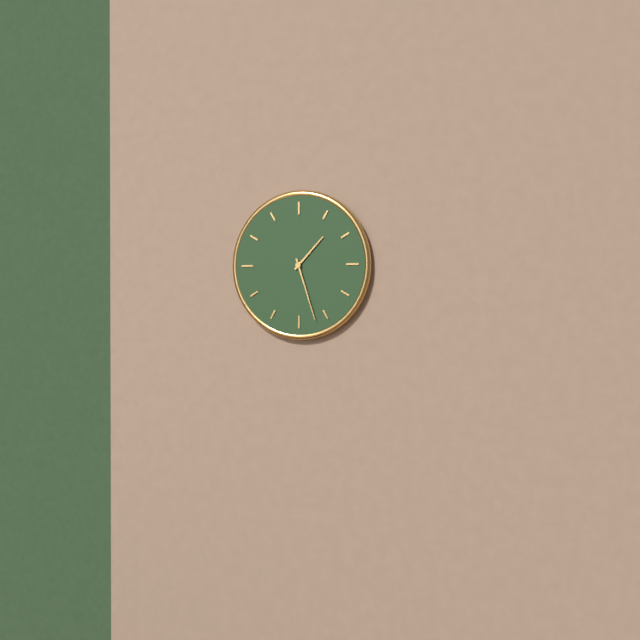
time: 1:27
